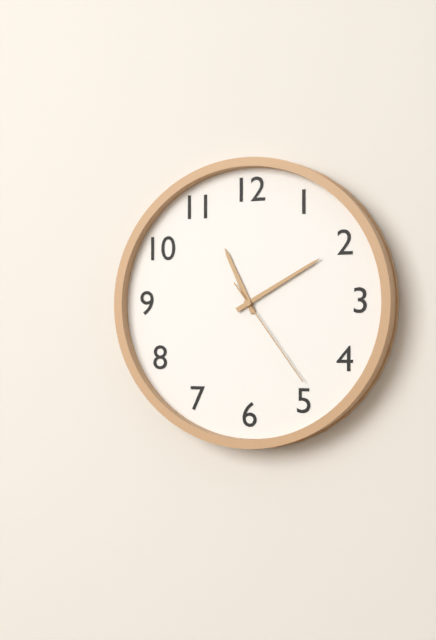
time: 11:10:24
